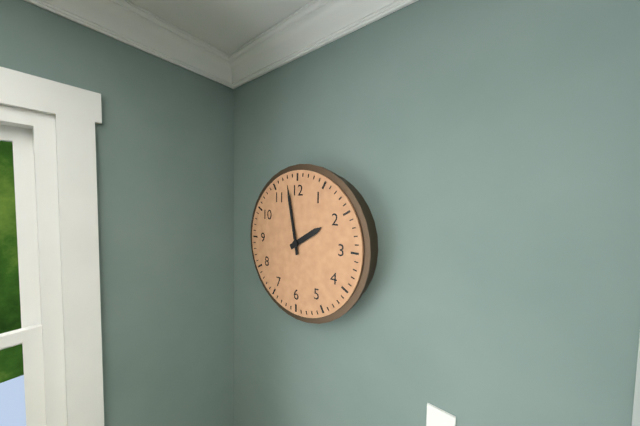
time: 1:58
